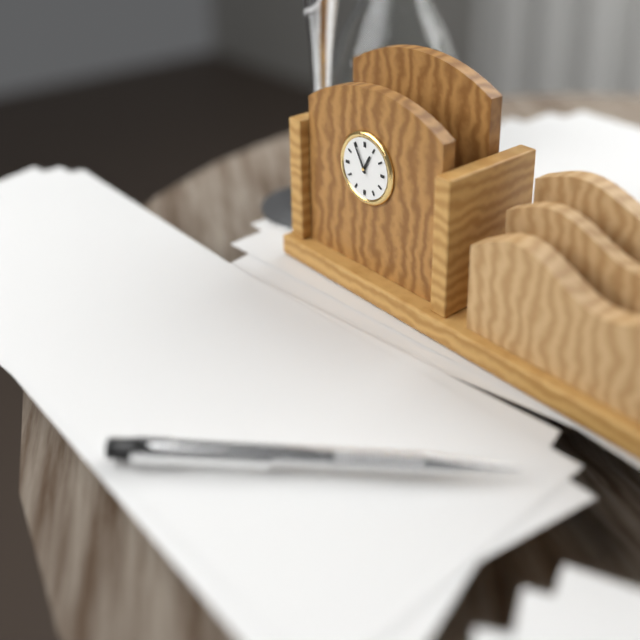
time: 12:55
